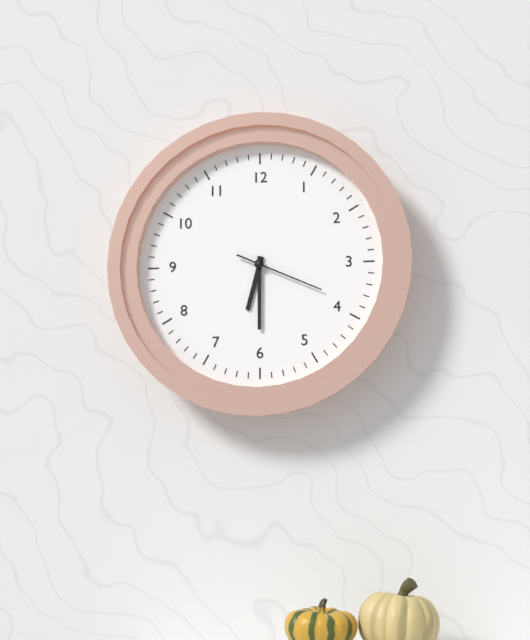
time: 6:30:19
